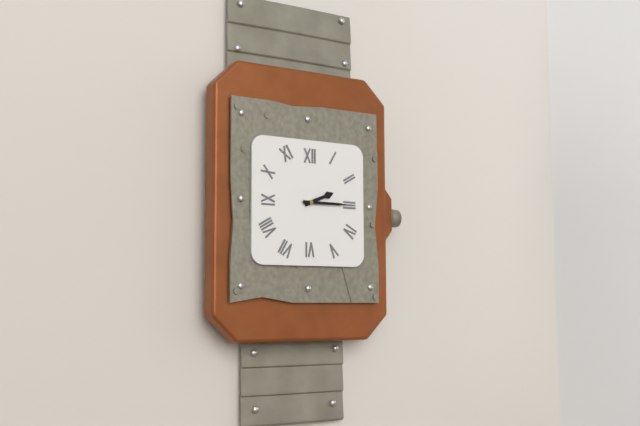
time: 2:15
